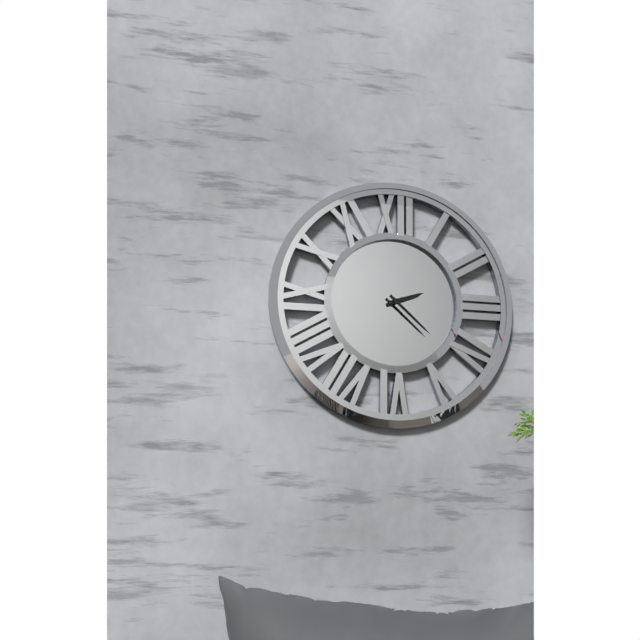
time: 2:22
